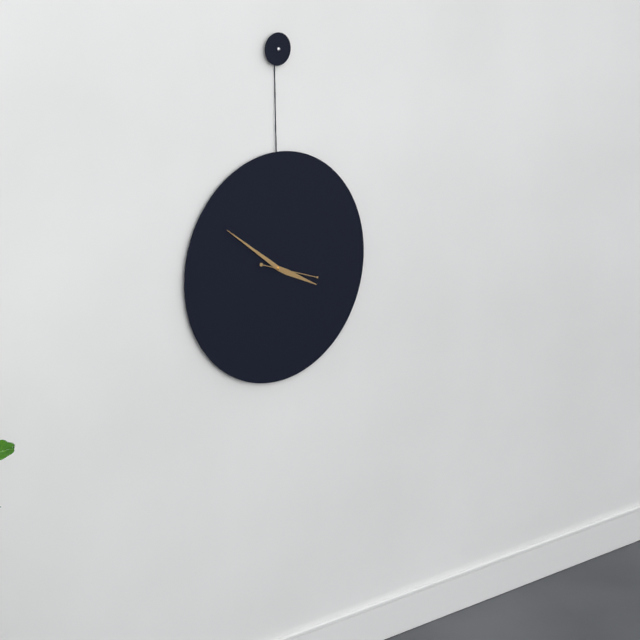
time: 3:51
